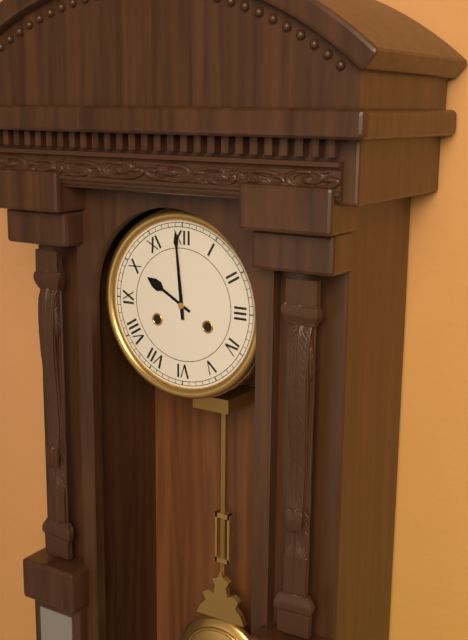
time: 9:59
